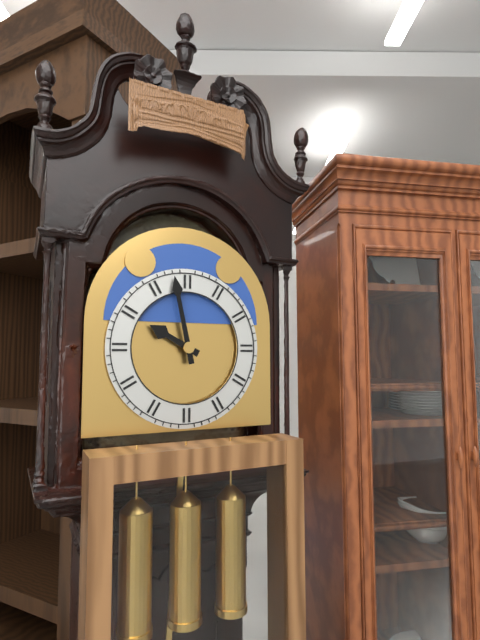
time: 9:58
